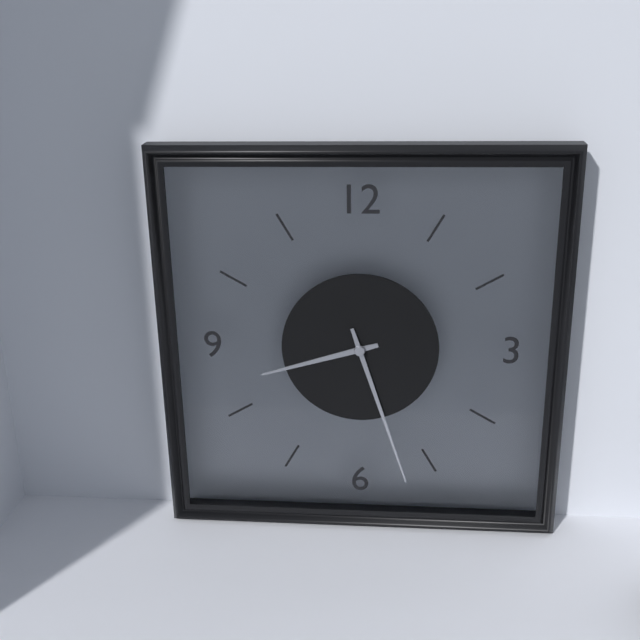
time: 8:27
